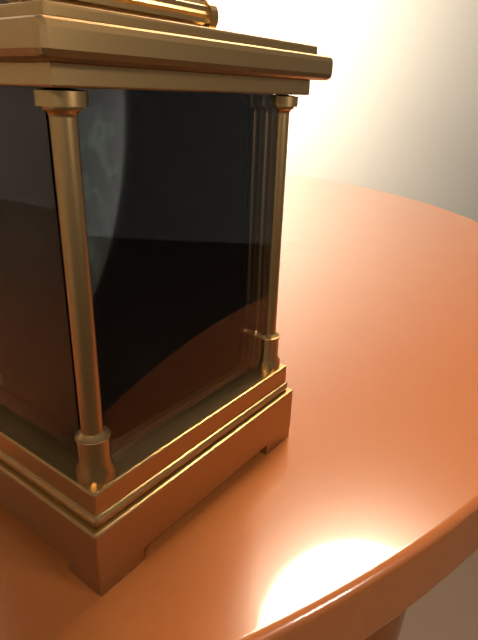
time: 7:39
